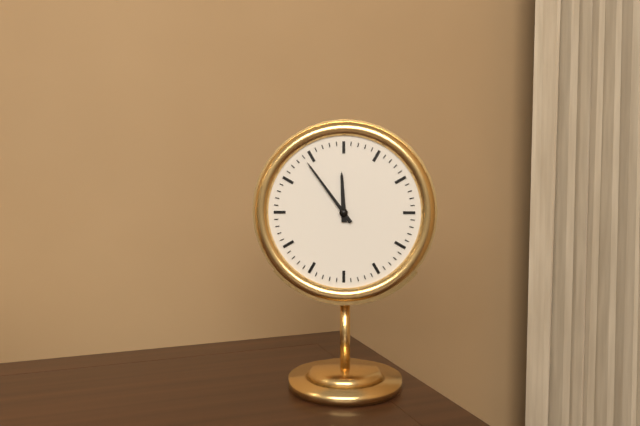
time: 11:54
